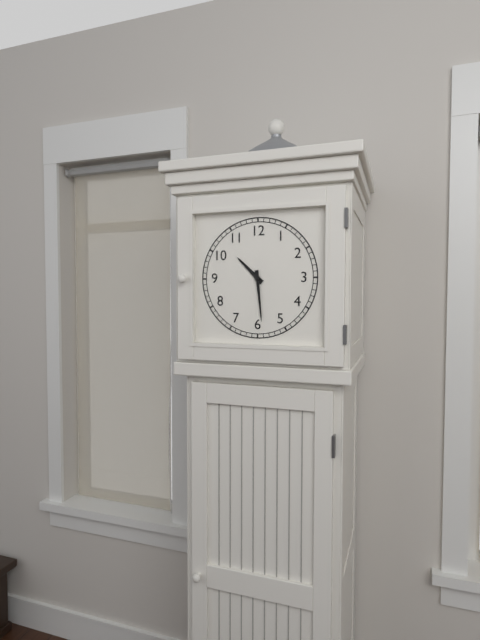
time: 10:29
